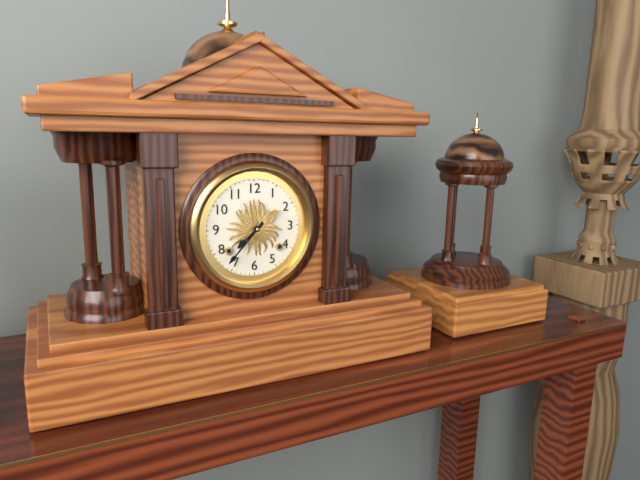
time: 7:37
